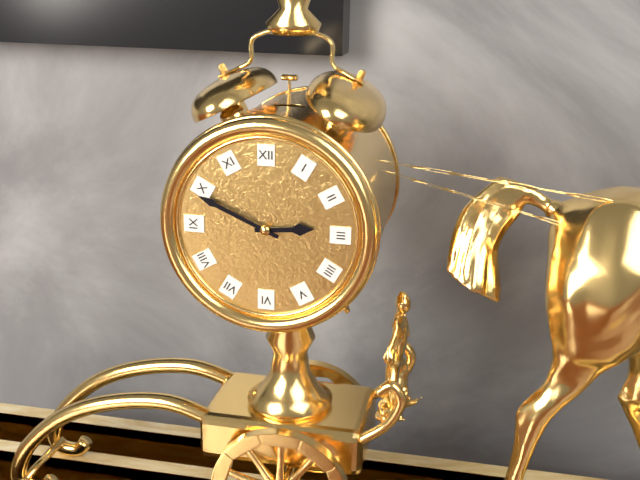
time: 2:49
